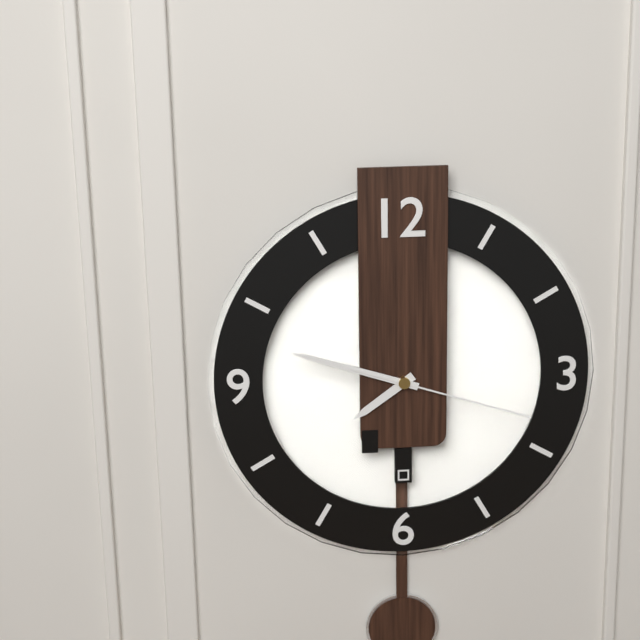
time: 7:48:18
